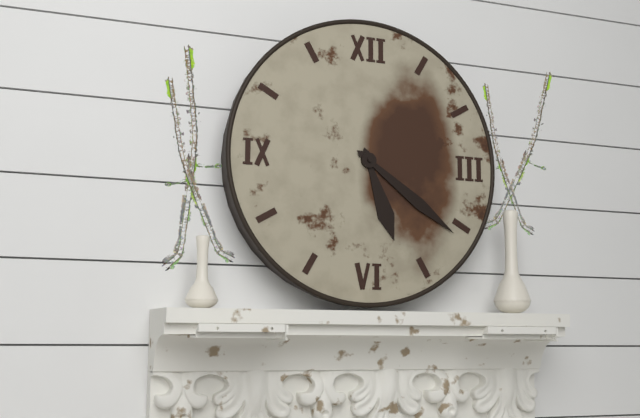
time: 5:21
